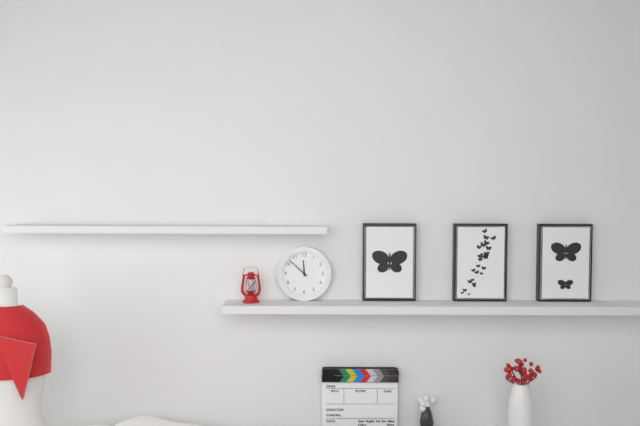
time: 11:52
